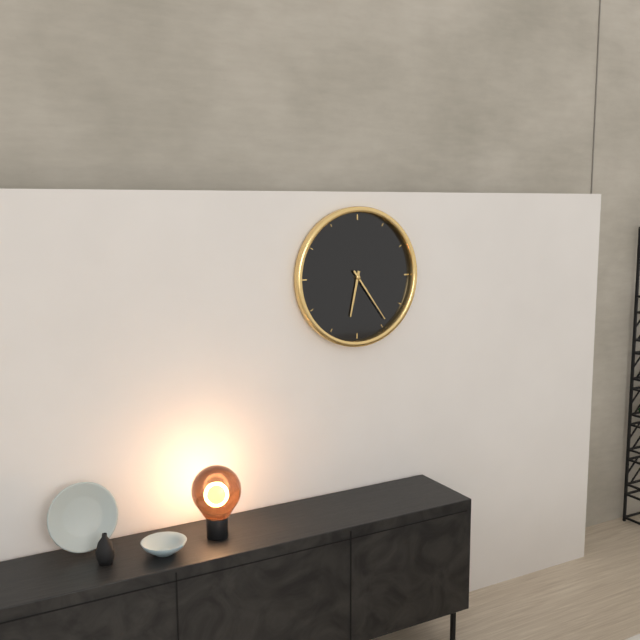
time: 6:24
